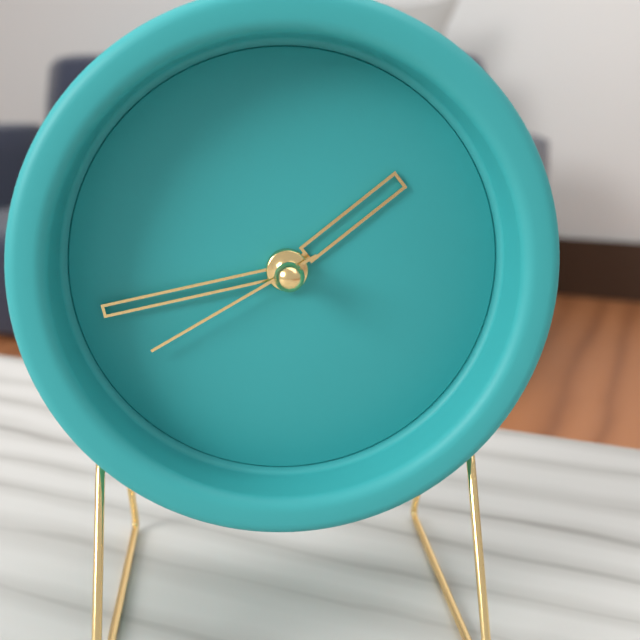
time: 1:43:40
